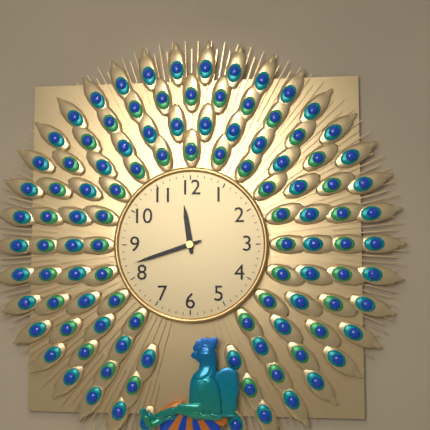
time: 11:42
